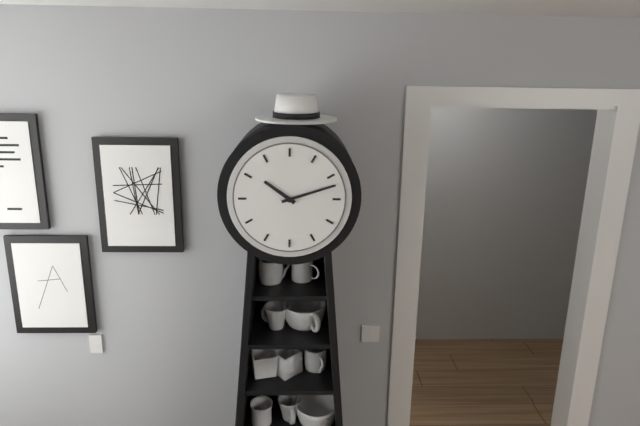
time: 10:12
